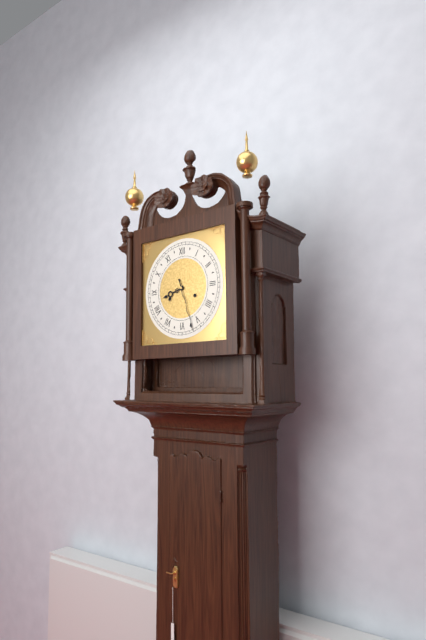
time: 8:27
